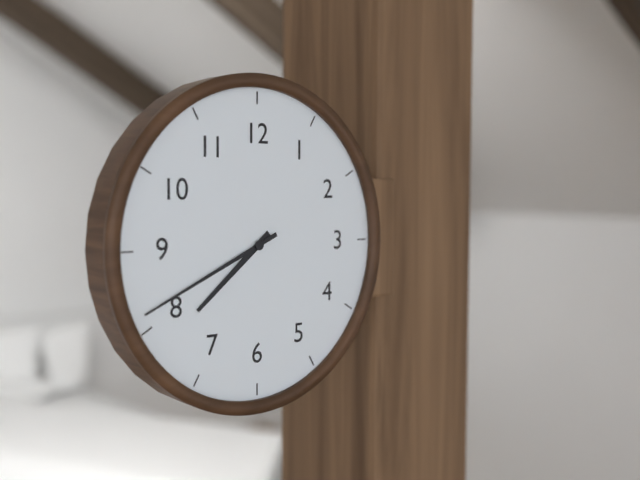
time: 7:41
